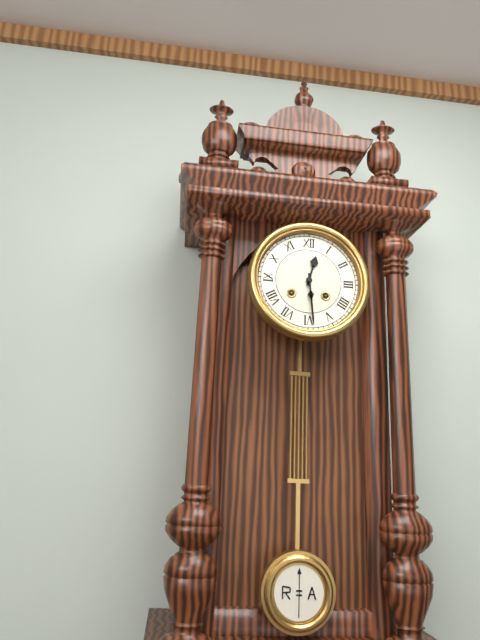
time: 12:29
